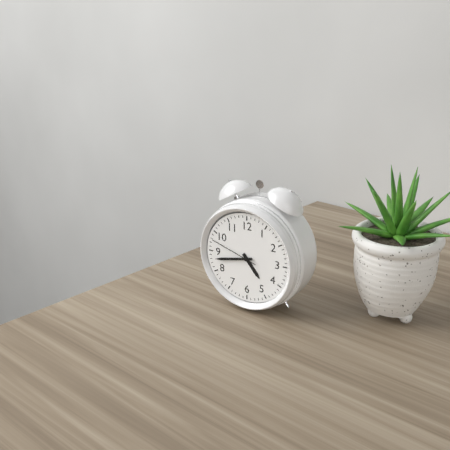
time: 4:43
